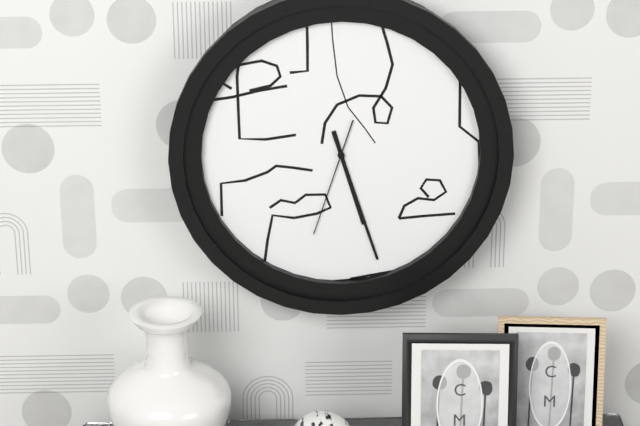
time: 5:27:33
